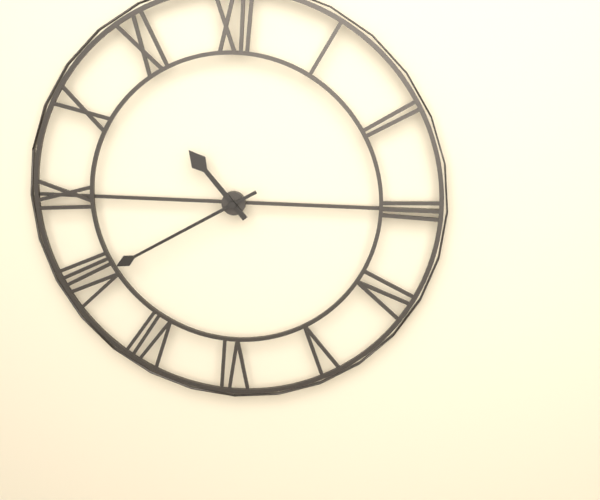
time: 10:40
